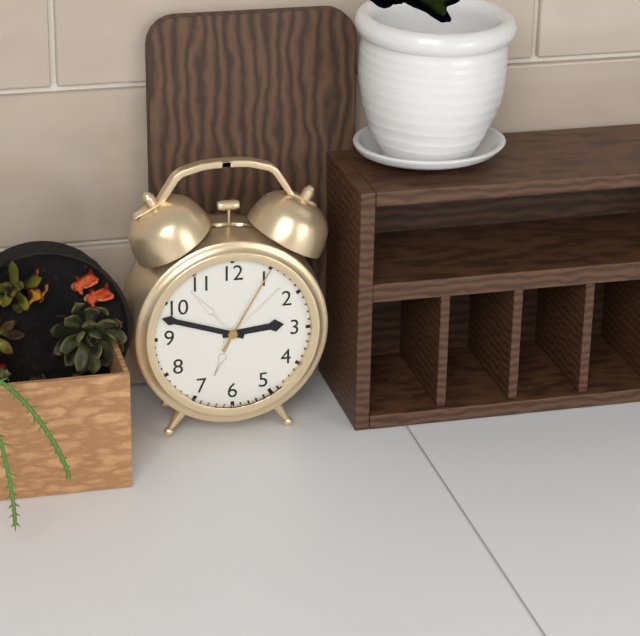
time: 2:48:05
